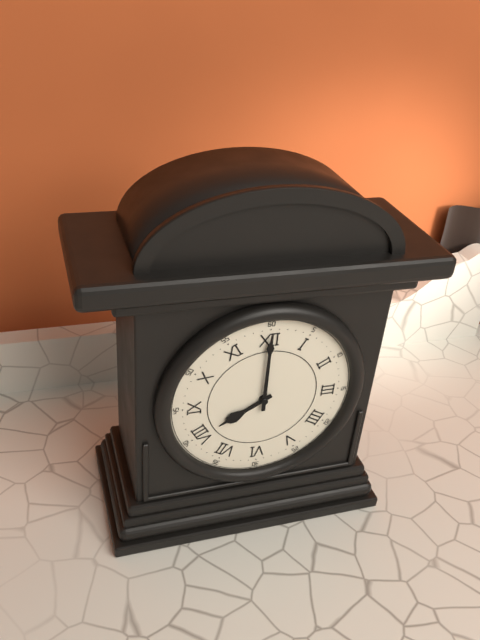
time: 8:00
